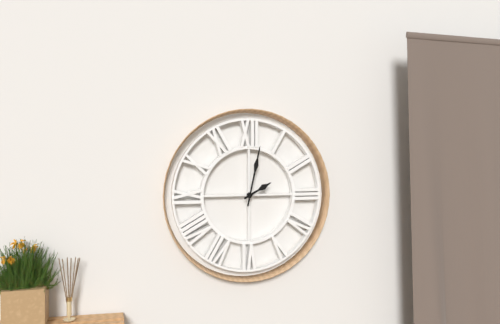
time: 2:02
